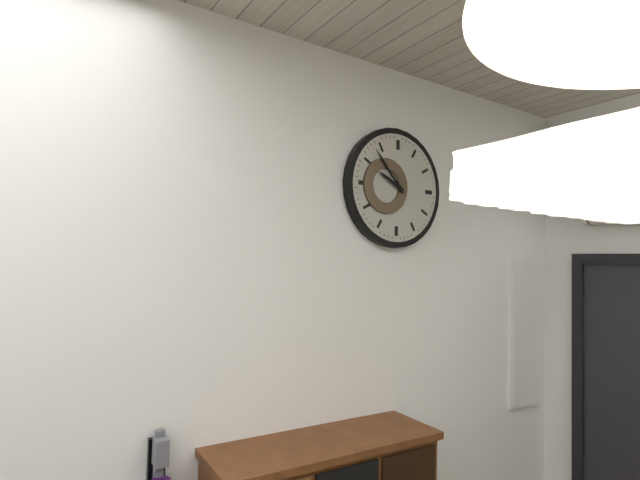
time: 9:53
